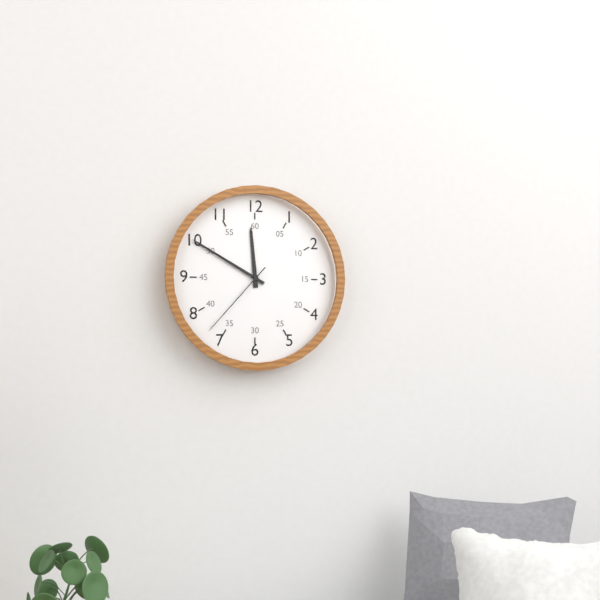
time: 11:50:37
